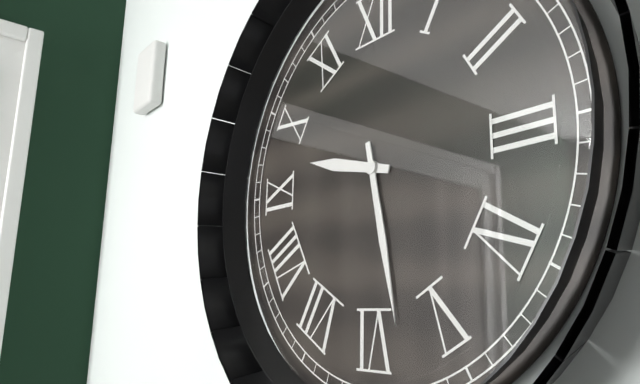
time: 9:28
